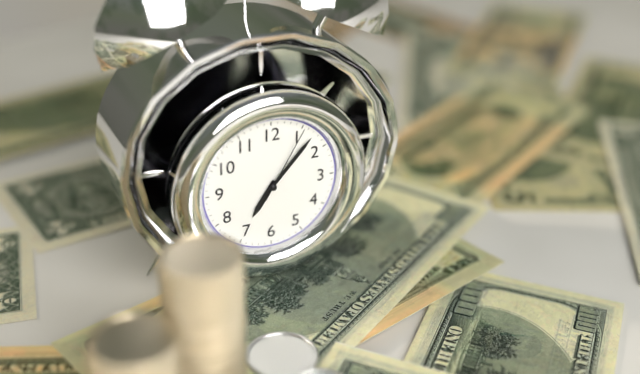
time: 7:07:05
